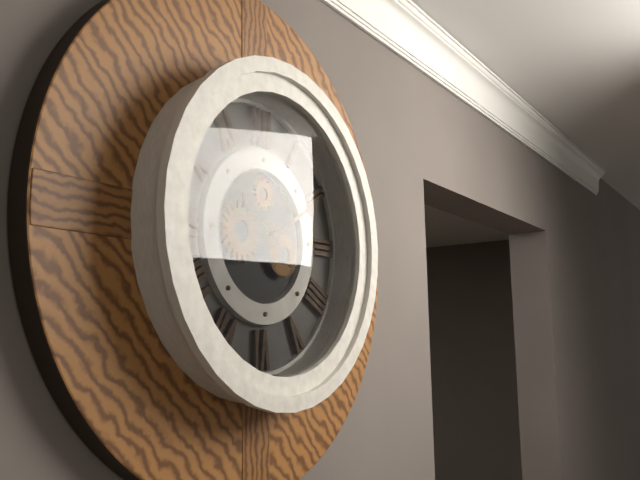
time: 10:10
